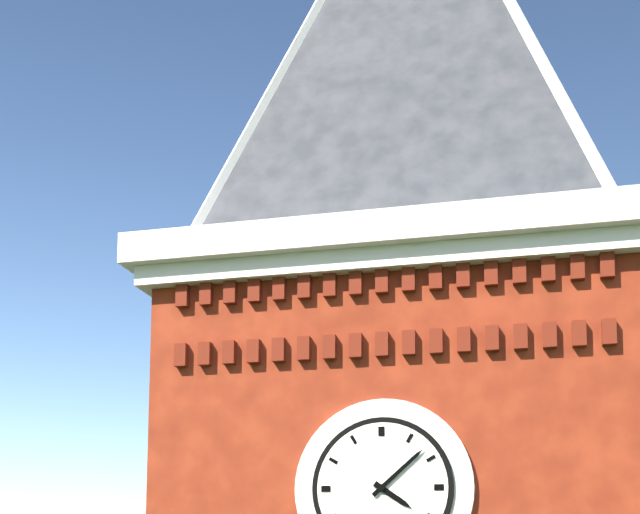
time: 4:08
